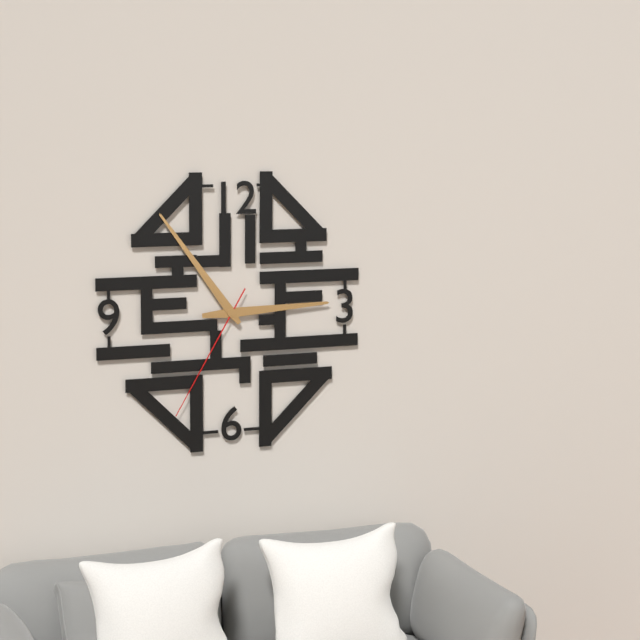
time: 2:54:35
